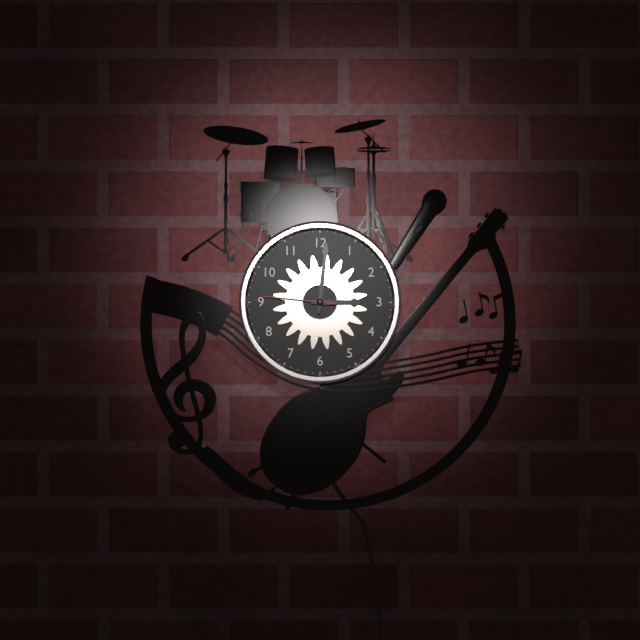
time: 3:01:46
